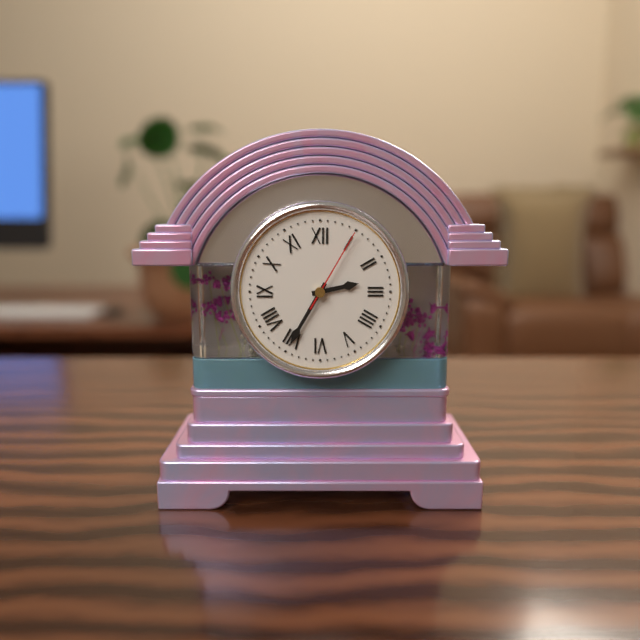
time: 2:35:05
